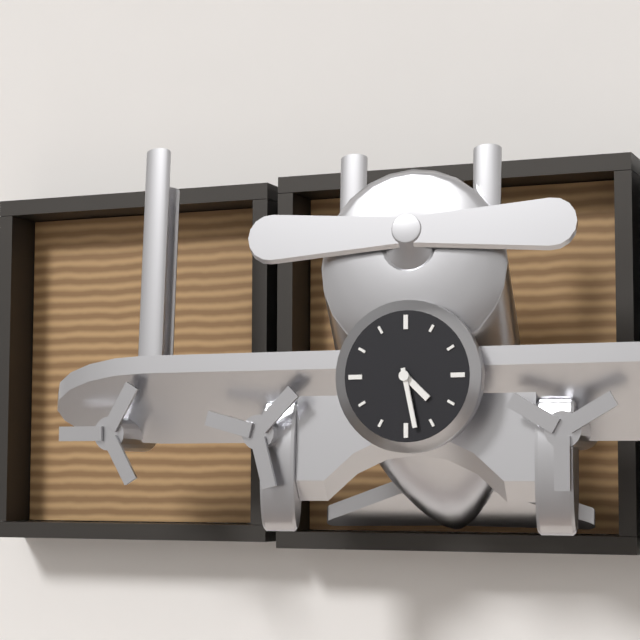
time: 4:28
